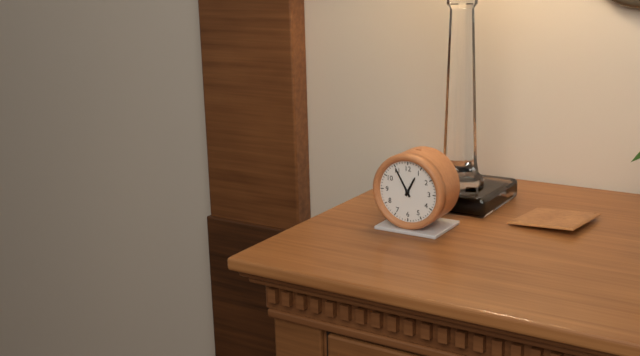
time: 12:55
